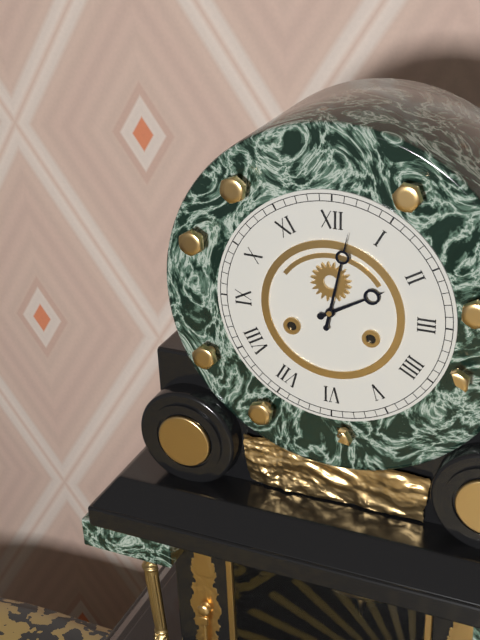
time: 2:02
